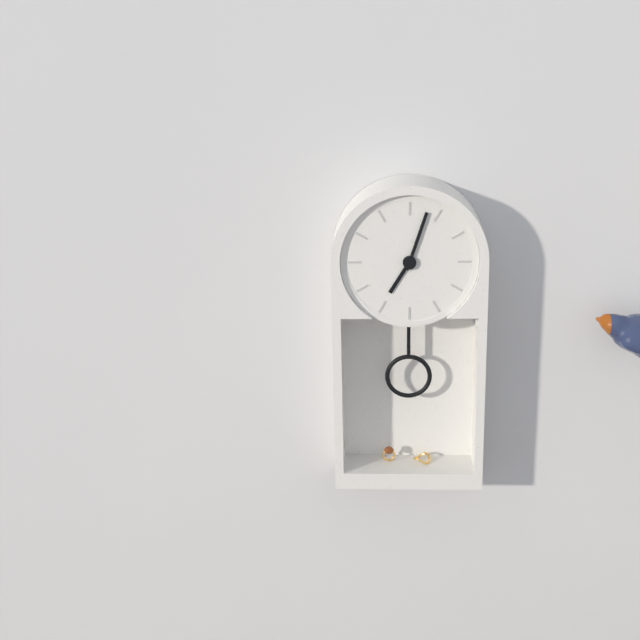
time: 7:03
